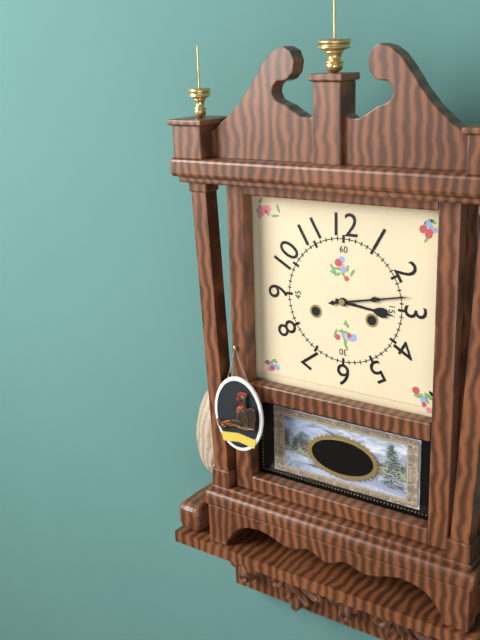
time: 3:13
